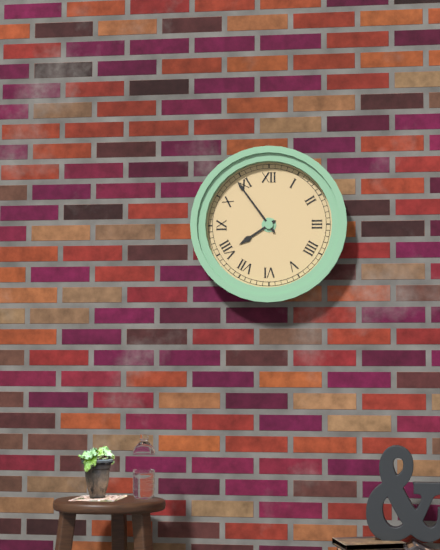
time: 7:54
